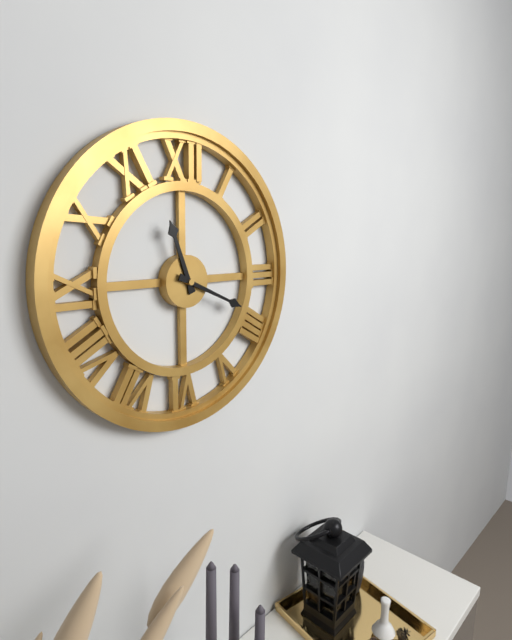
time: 11:19
